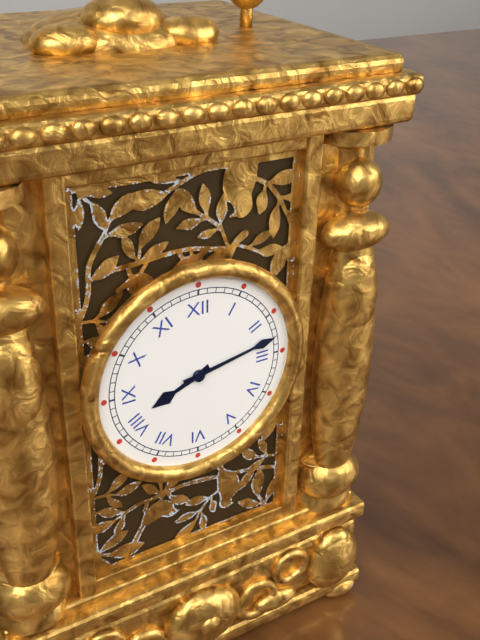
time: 8:13
